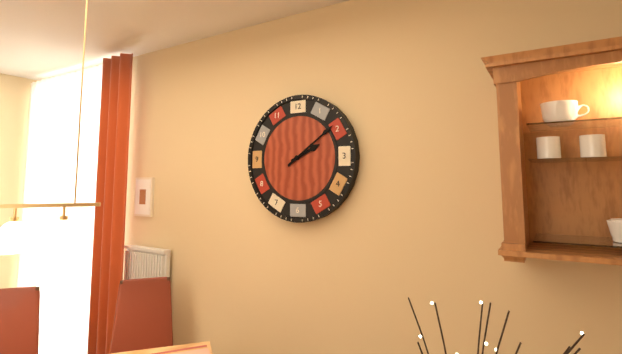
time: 2:09
